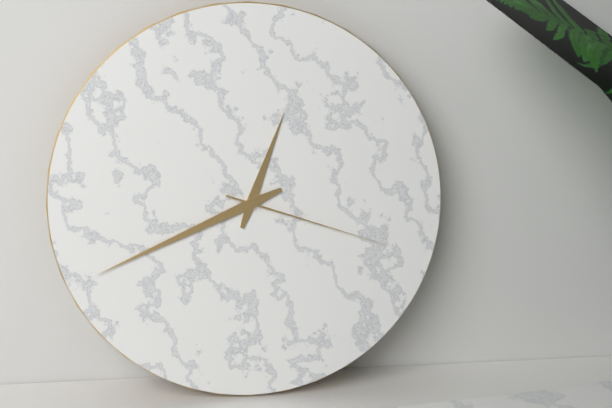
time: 12:41:18
